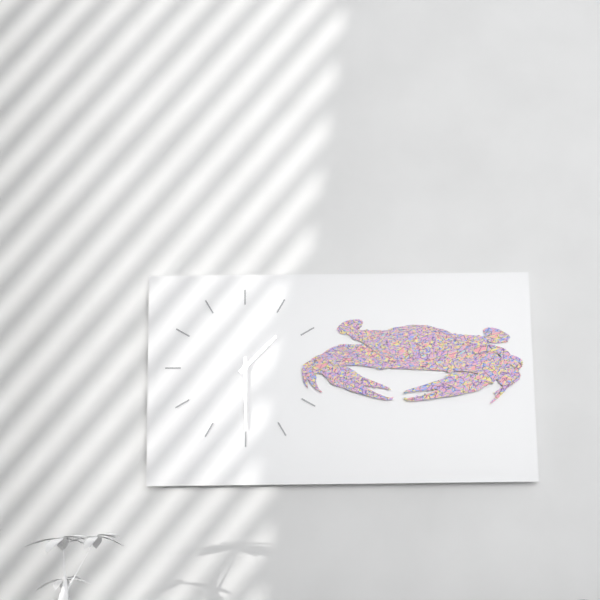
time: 1:30
